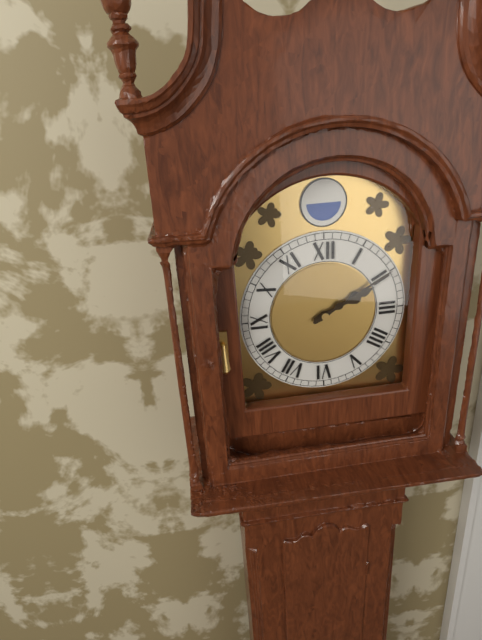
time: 2:10
